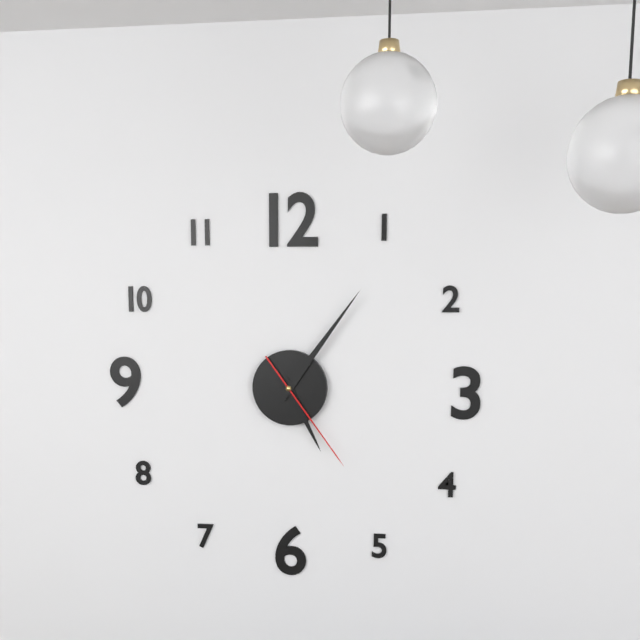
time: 5:06:24
